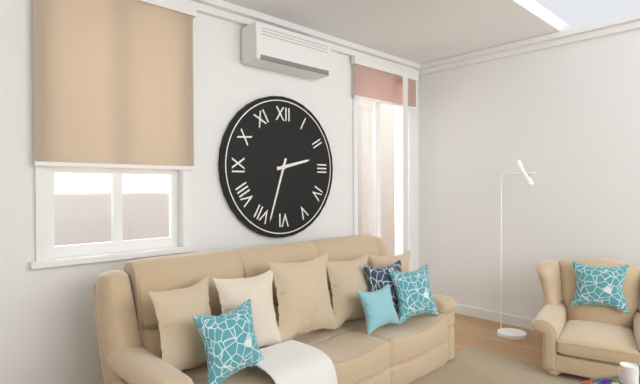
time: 2:33
